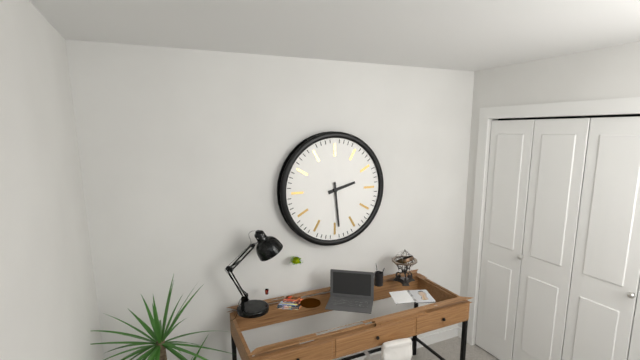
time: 2:29
